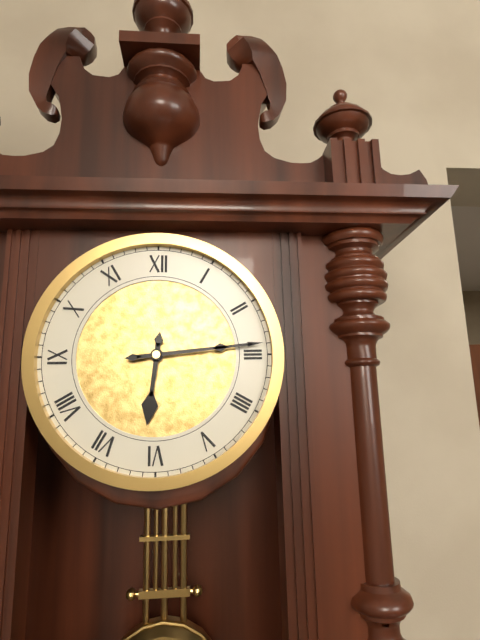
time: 6:14
